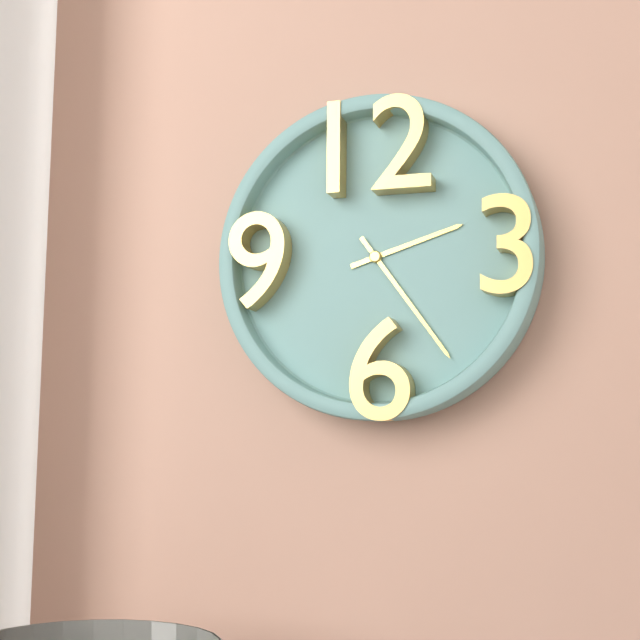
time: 2:24
